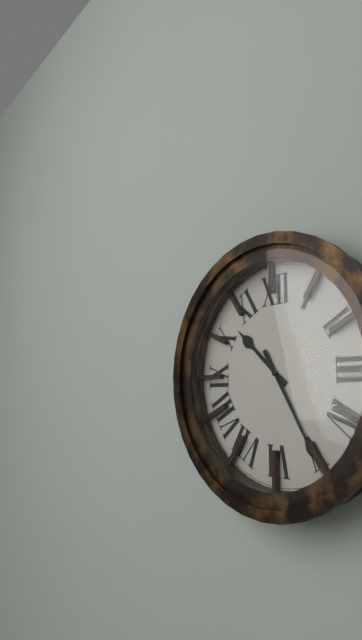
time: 10:25
